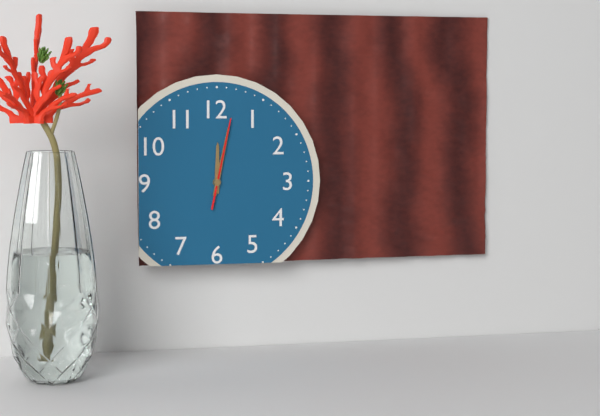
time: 12:02:02
